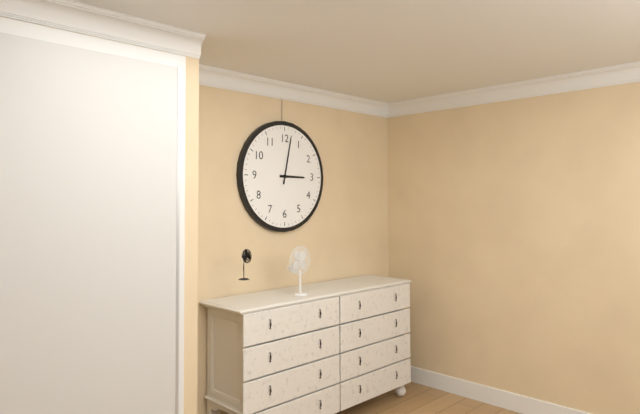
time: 3:02
